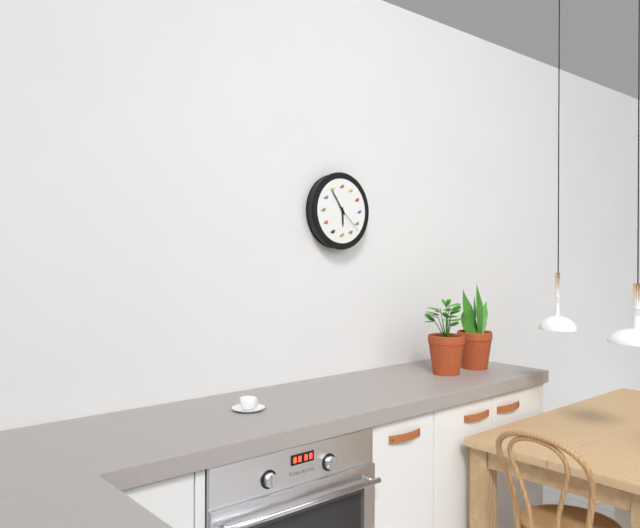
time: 5:54
